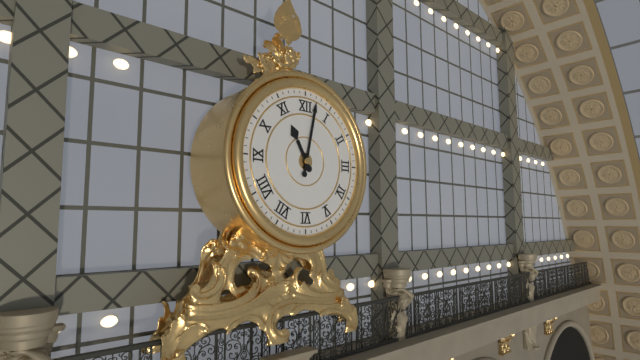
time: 11:02
